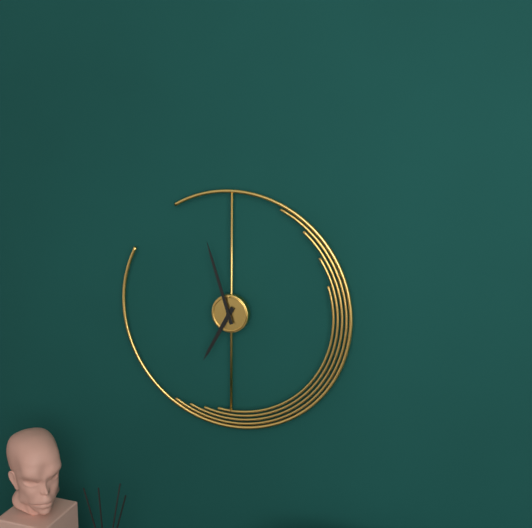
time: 6:57
